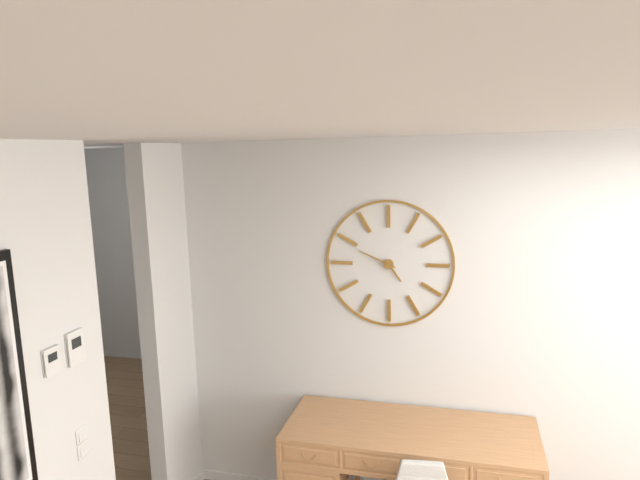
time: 4:49
